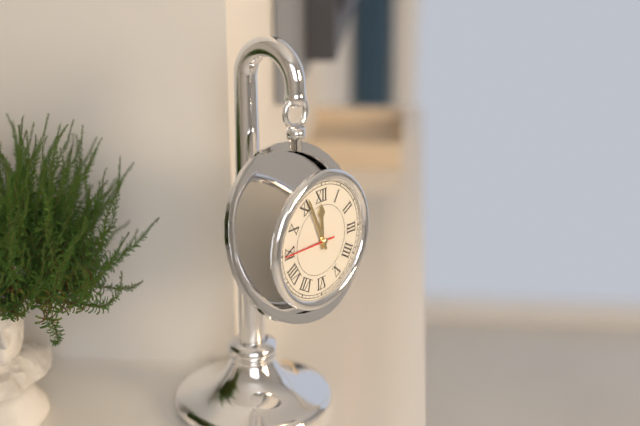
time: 11:56:45
